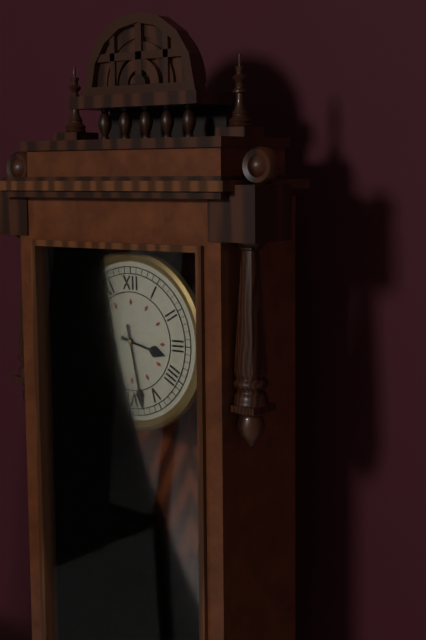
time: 3:28
